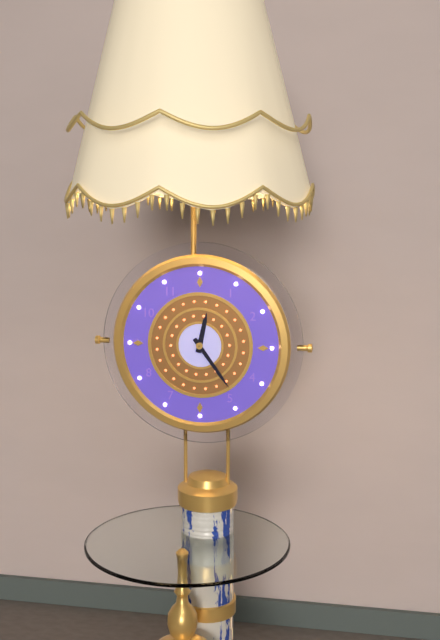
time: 12:24
